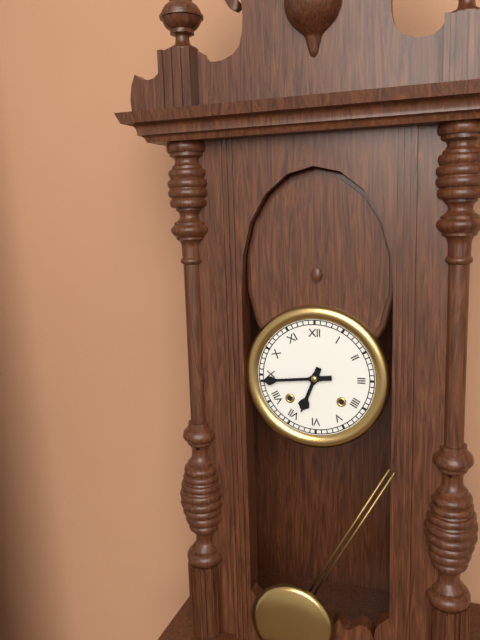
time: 6:44
